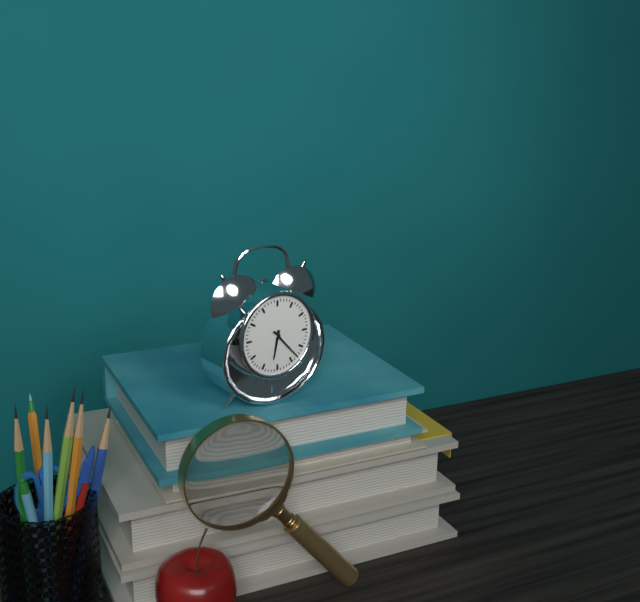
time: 6:23
